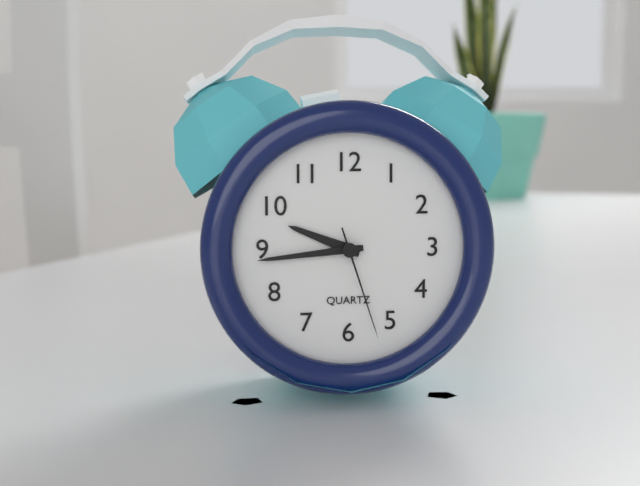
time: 9:44:27
